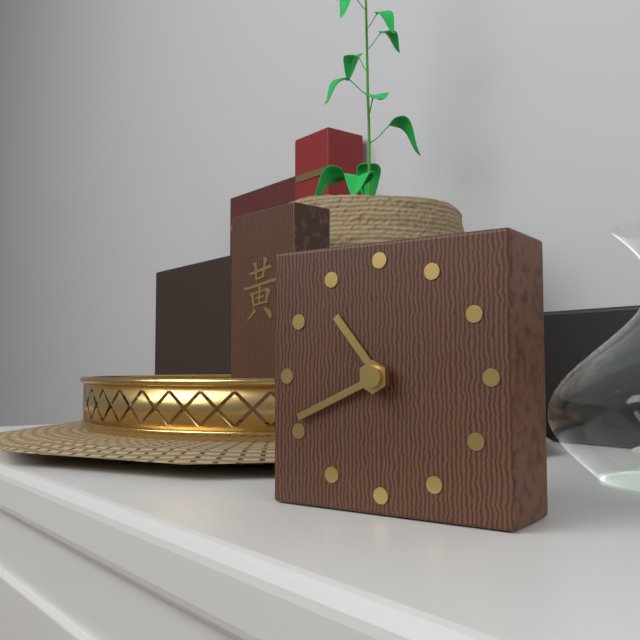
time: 10:41
